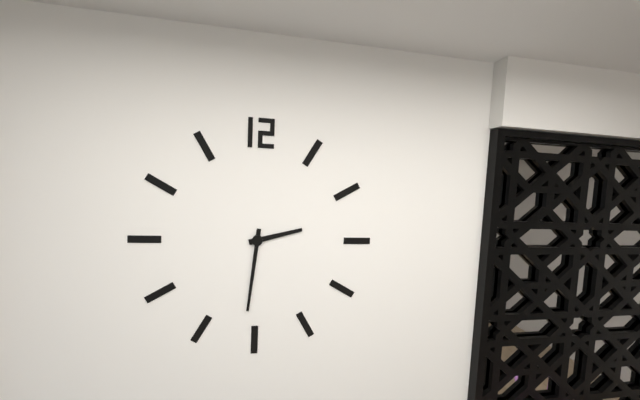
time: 2:31
